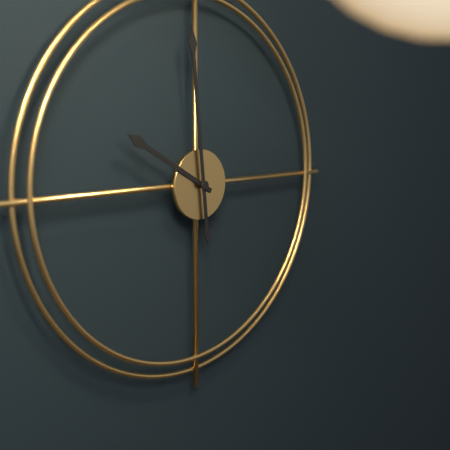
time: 9:59
